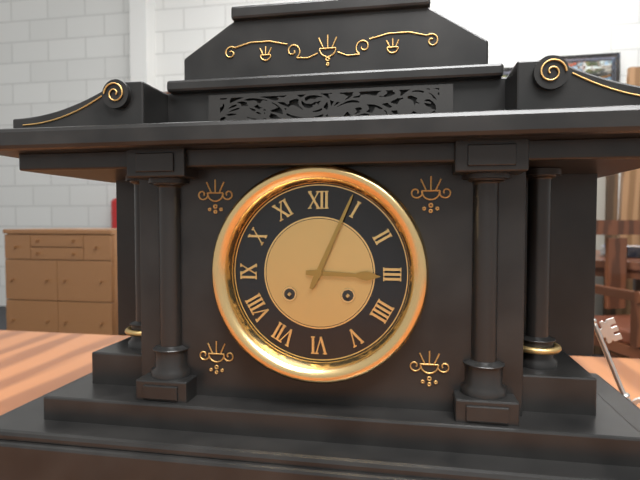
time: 3:04
